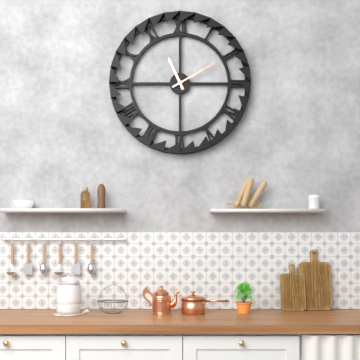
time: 11:10
